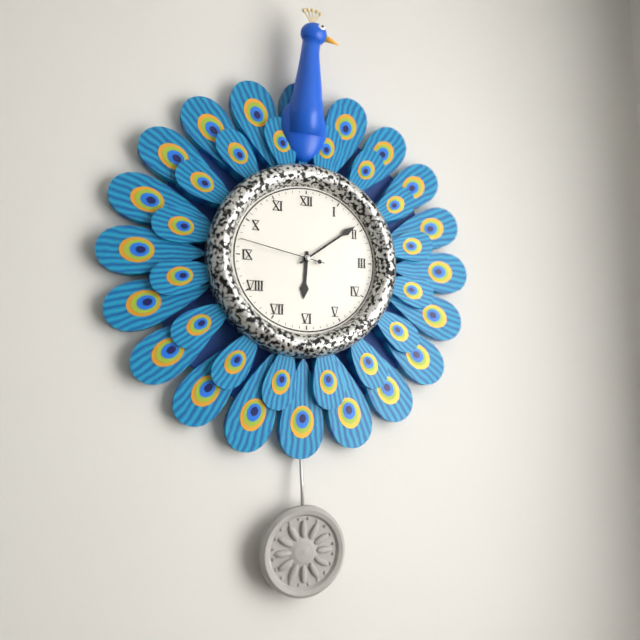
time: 6:09:47
